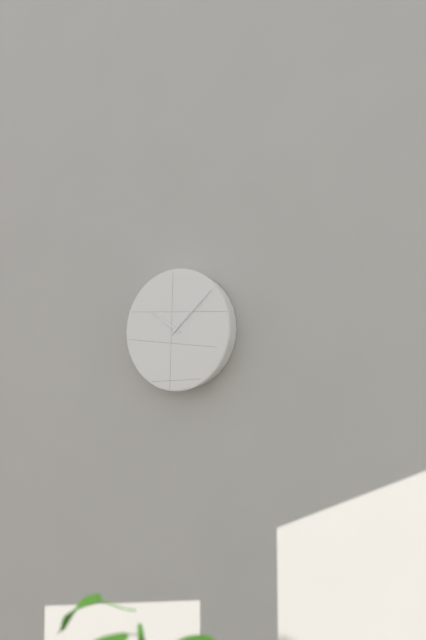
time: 10:08
